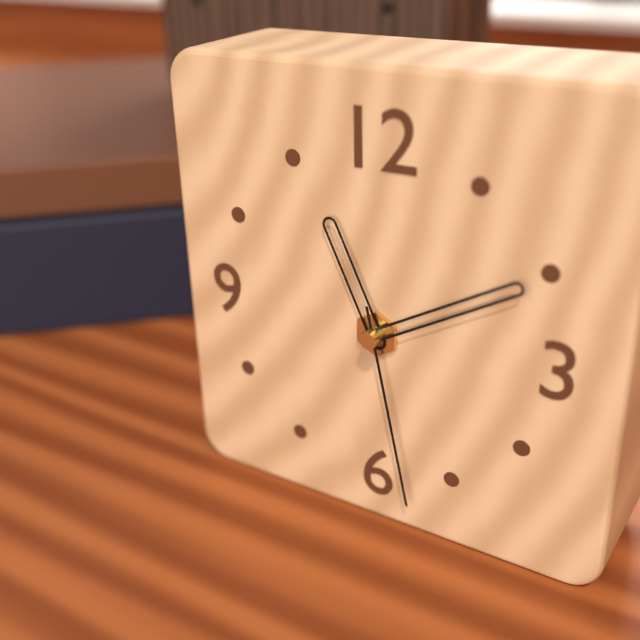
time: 11:10:28
